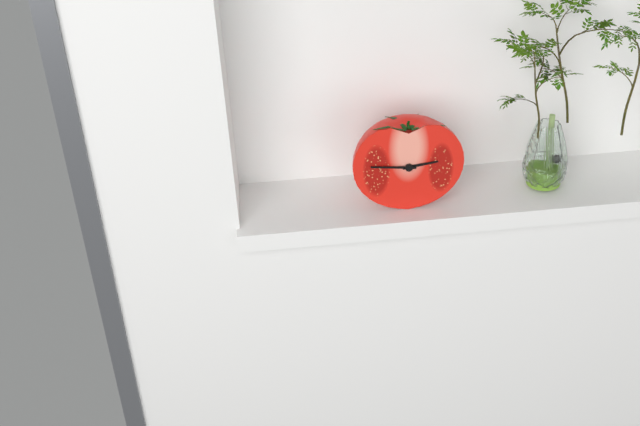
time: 2:46
